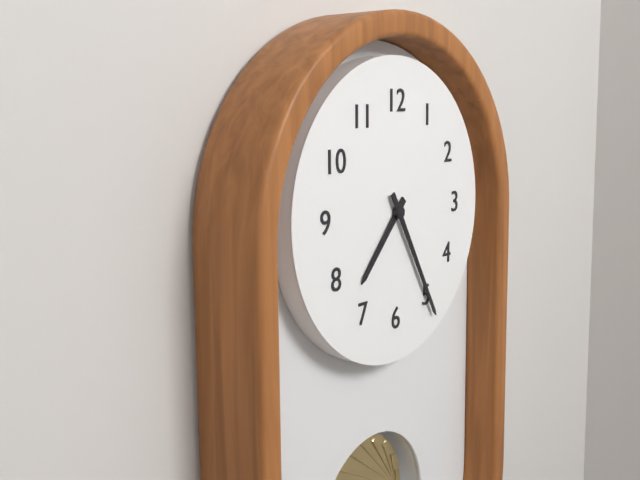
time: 7:25
